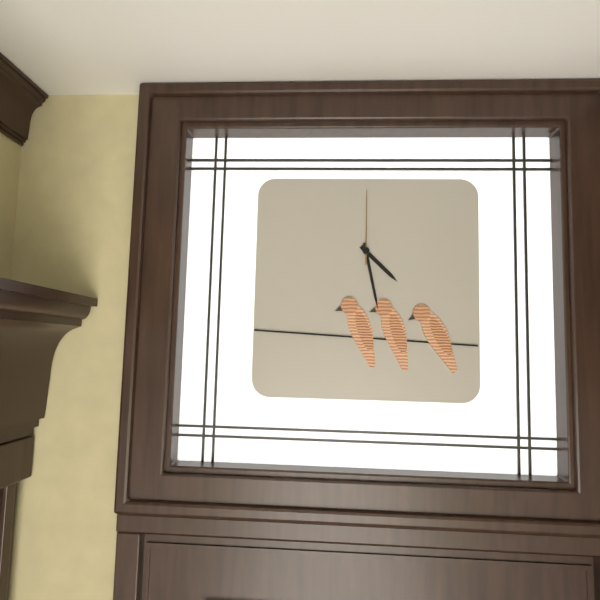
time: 4:28:00
